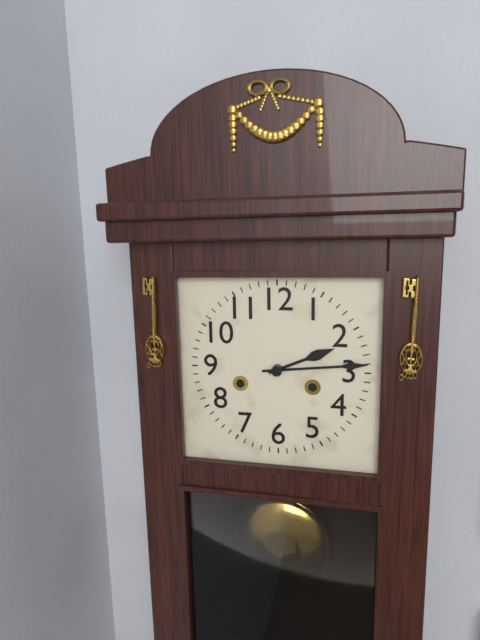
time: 2:14
